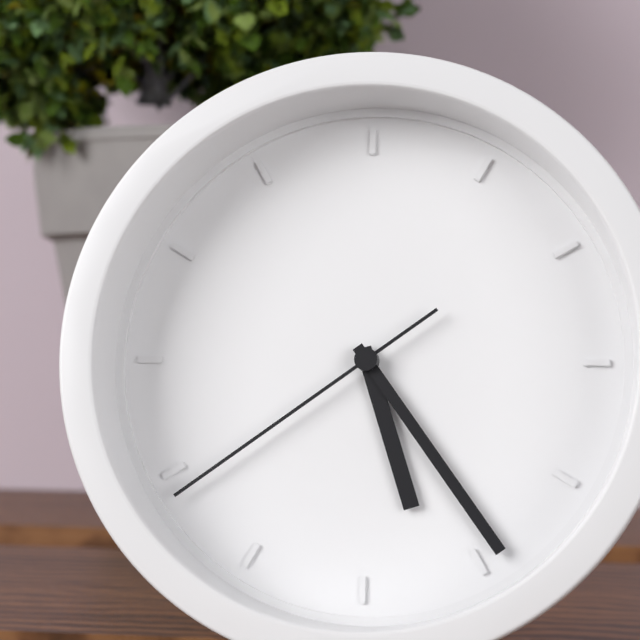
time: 5:24:39
